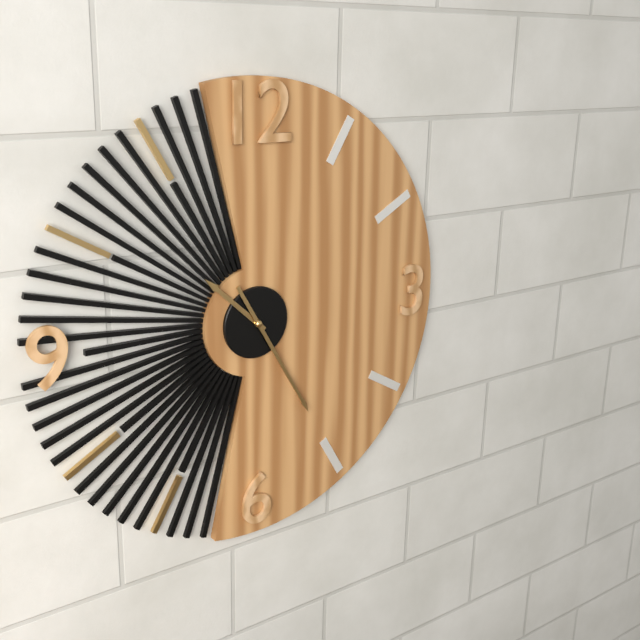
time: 10:25
